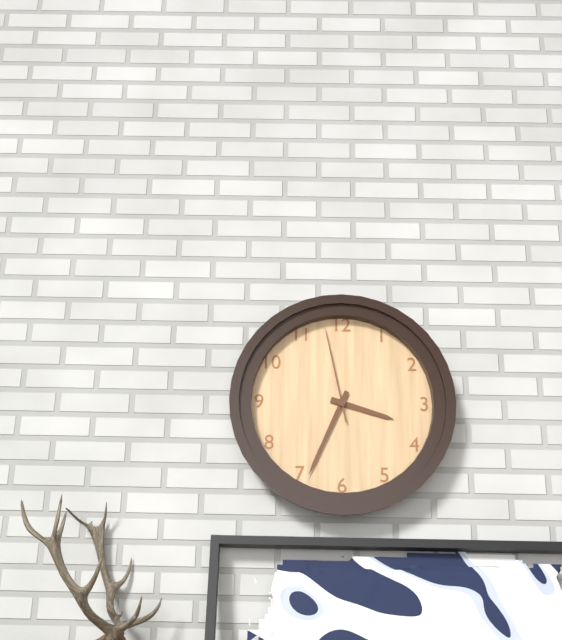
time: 3:34:58
